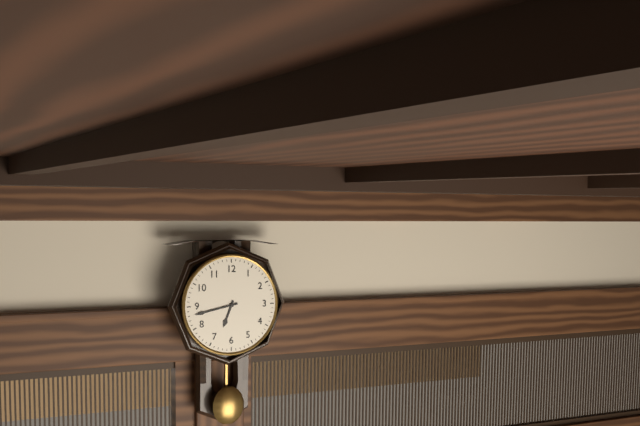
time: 6:43
